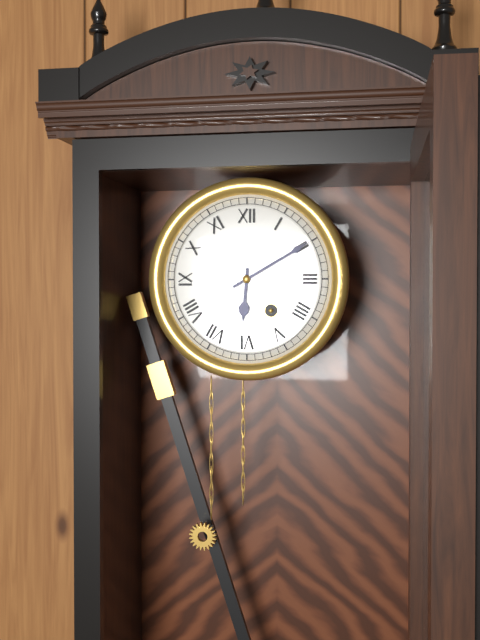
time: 6:10
